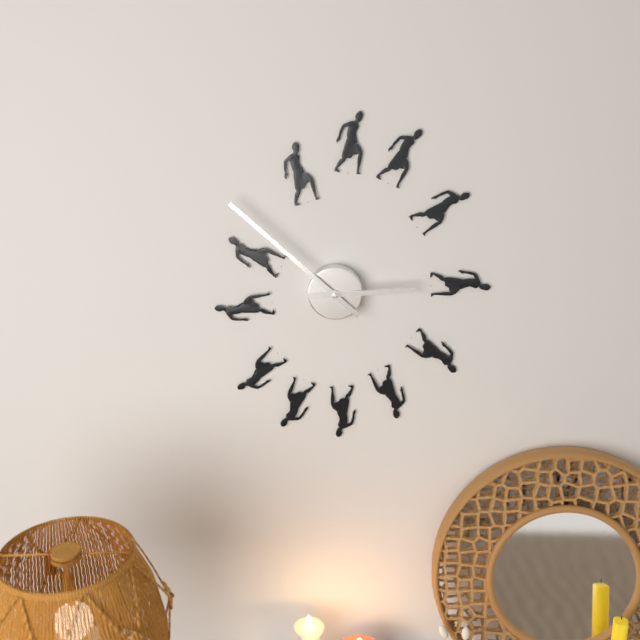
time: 2:52
